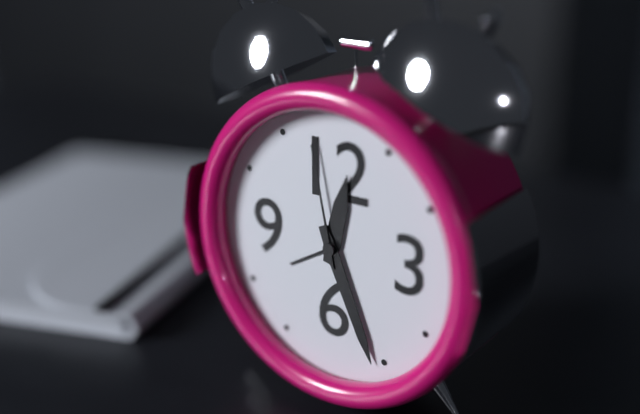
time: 12:26:58
